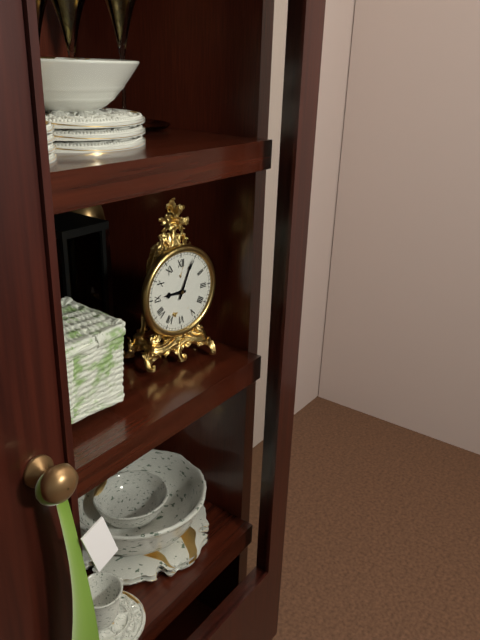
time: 9:04
